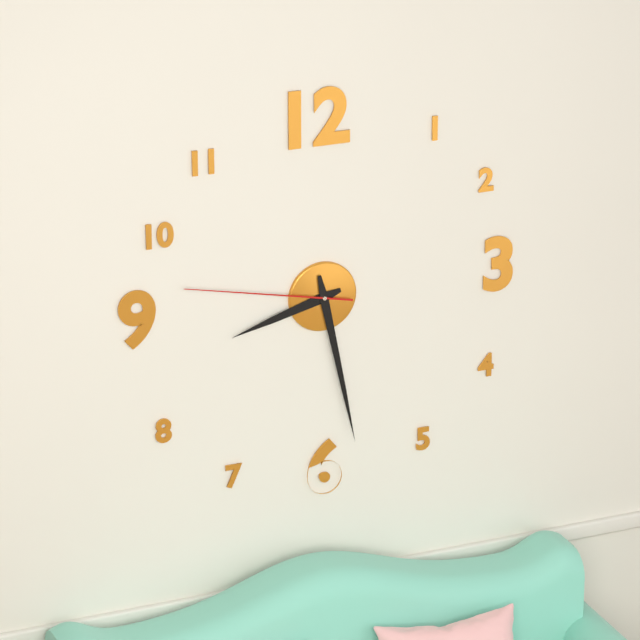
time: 8:28:47
